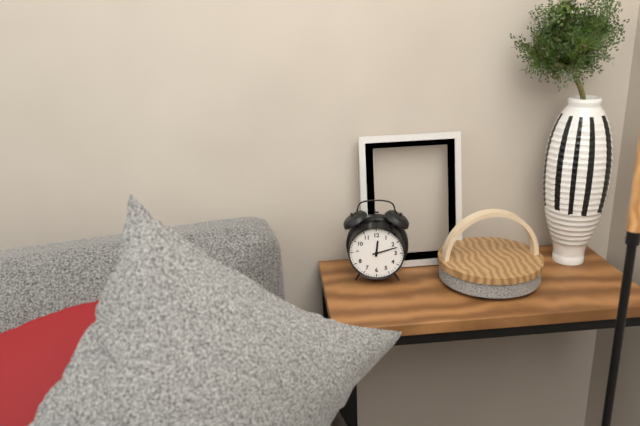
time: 12:12
